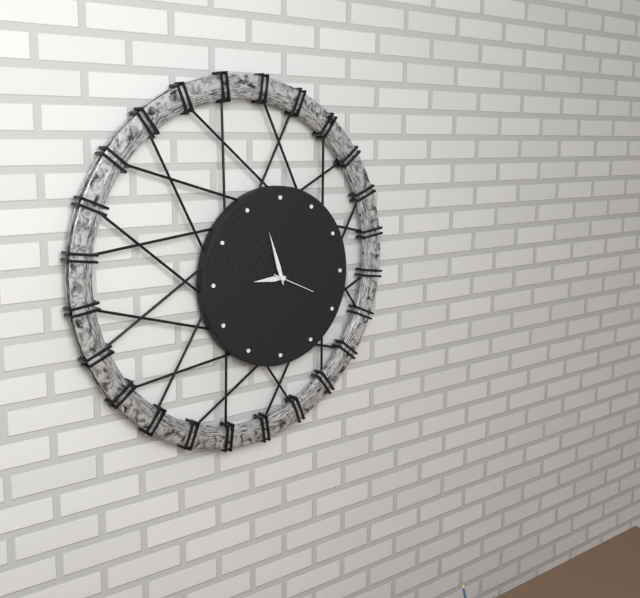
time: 8:57
